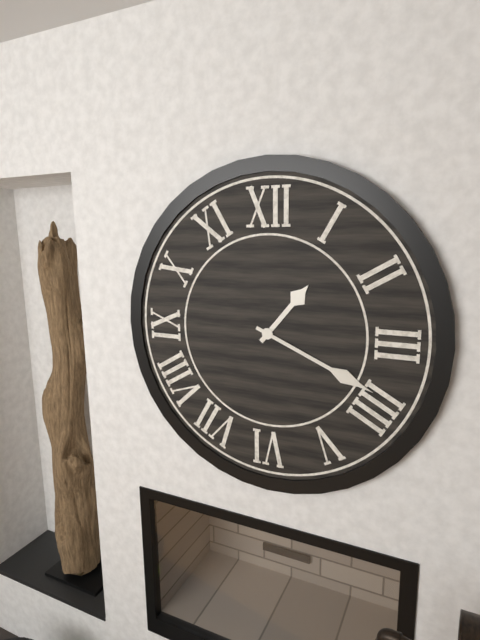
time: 1:19
